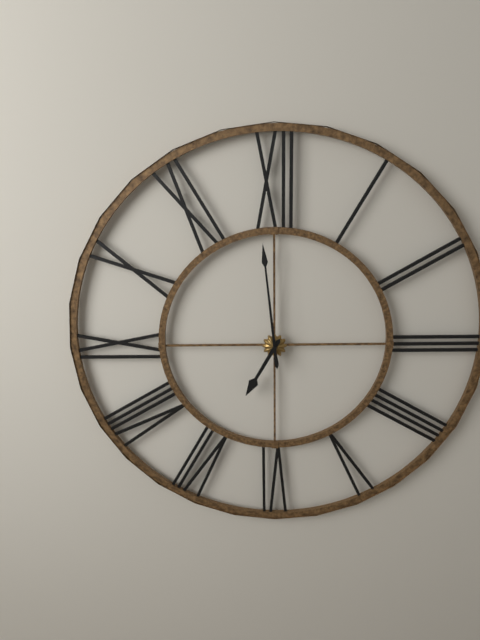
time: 6:59
